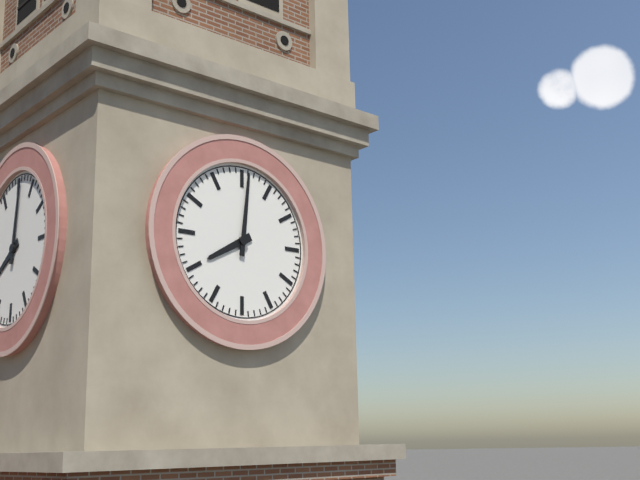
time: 8:01
